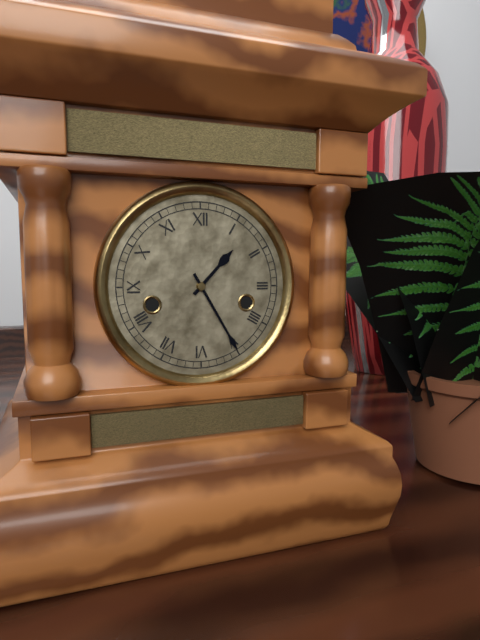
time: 1:25
